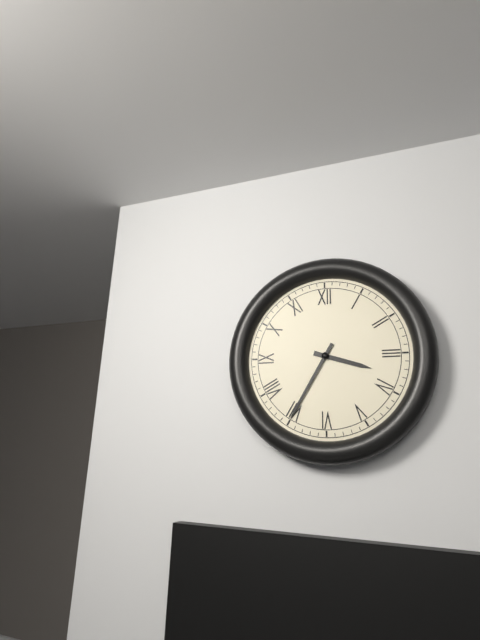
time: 3:35
